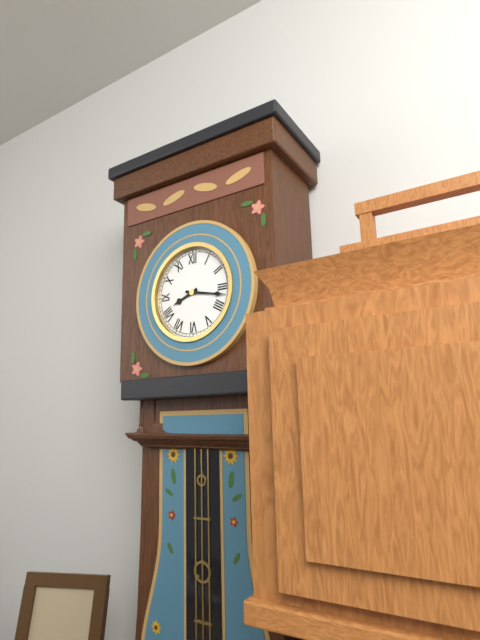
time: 8:17
